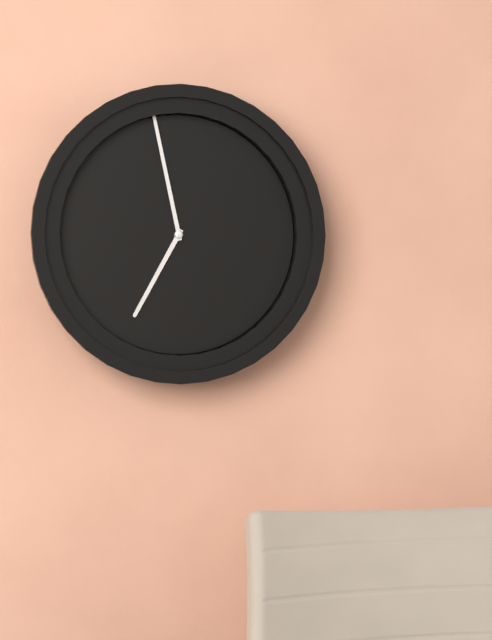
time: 6:58
